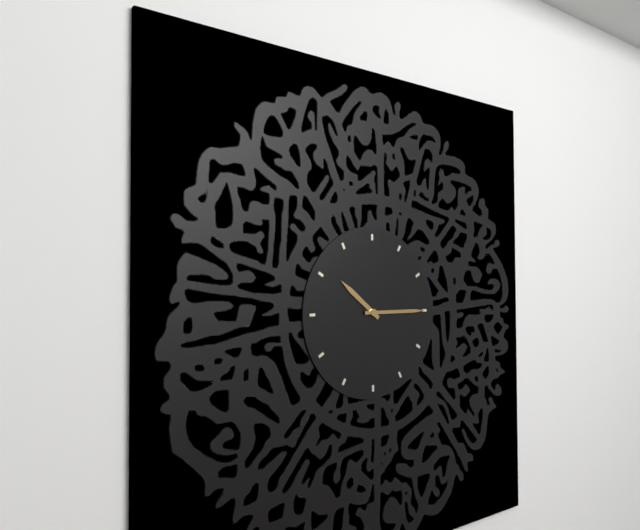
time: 10:15
